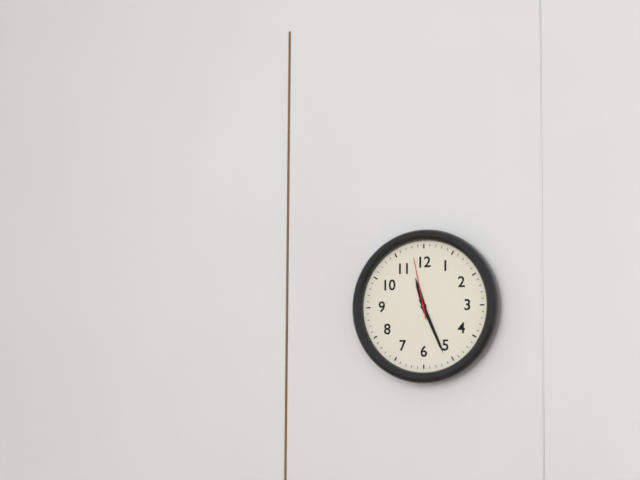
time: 11:26:58
